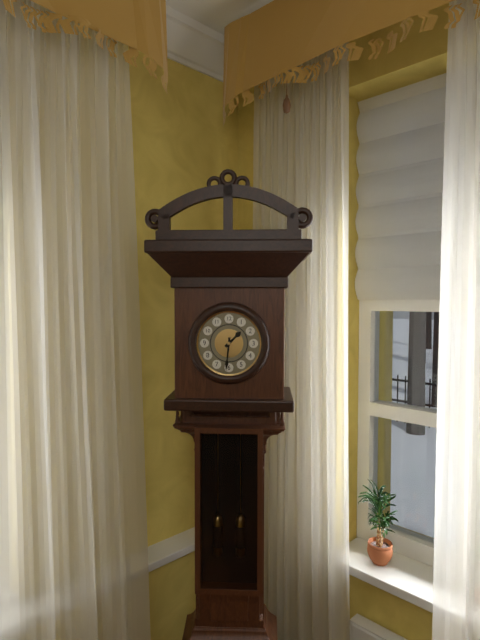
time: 1:31
